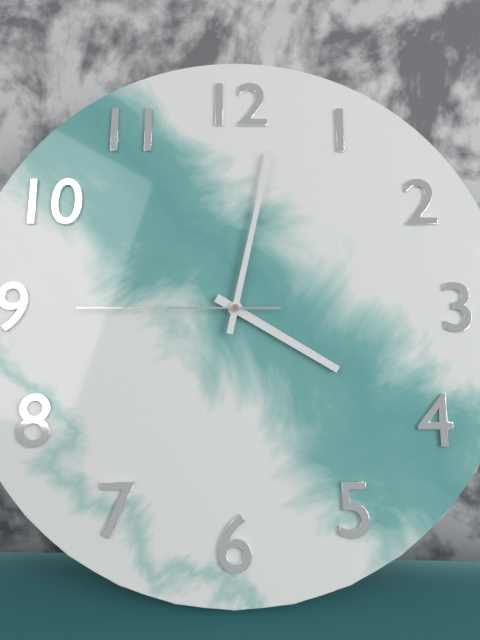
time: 4:02:45
